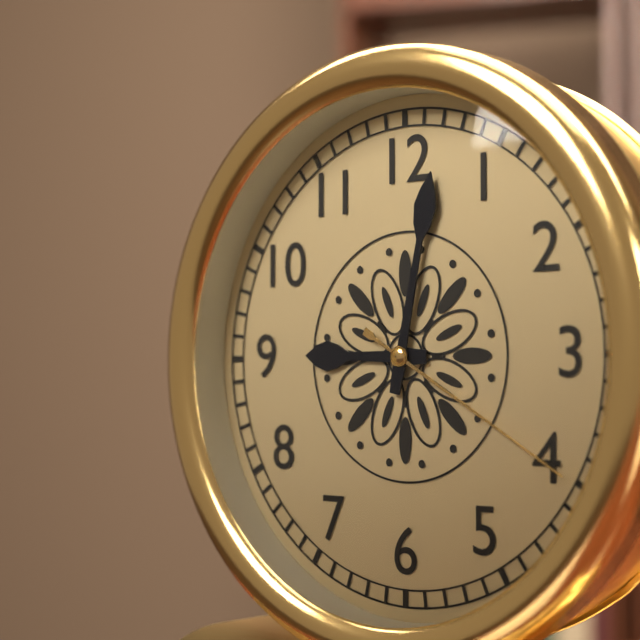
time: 9:02:20
